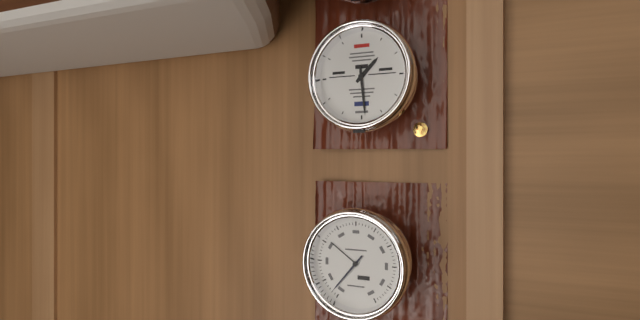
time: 1:29
